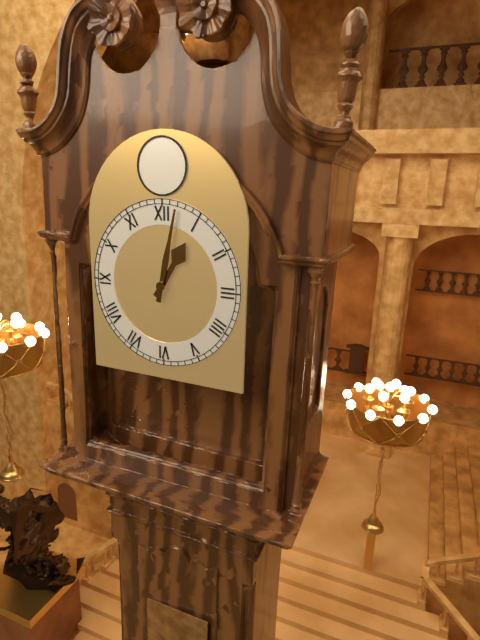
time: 1:02
